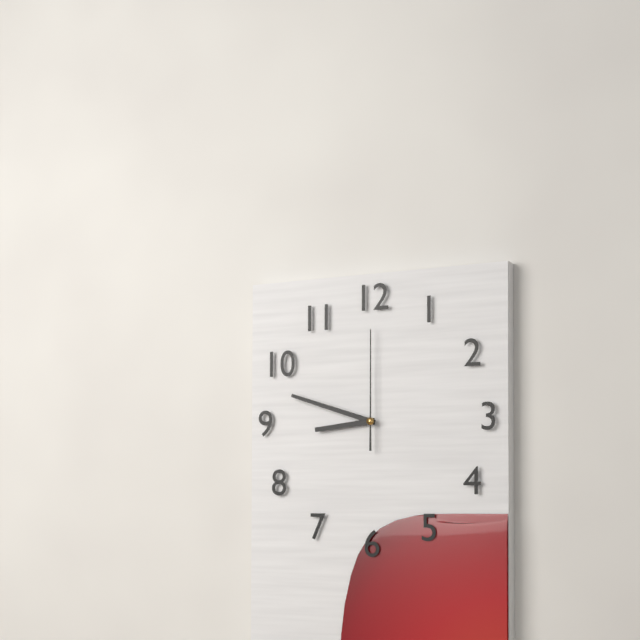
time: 8:48:00
